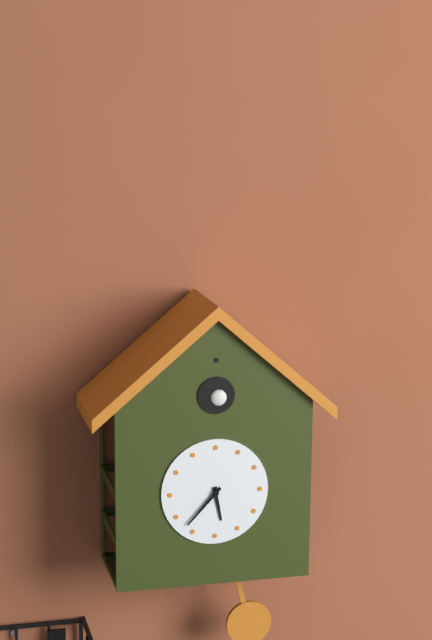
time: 5:37
